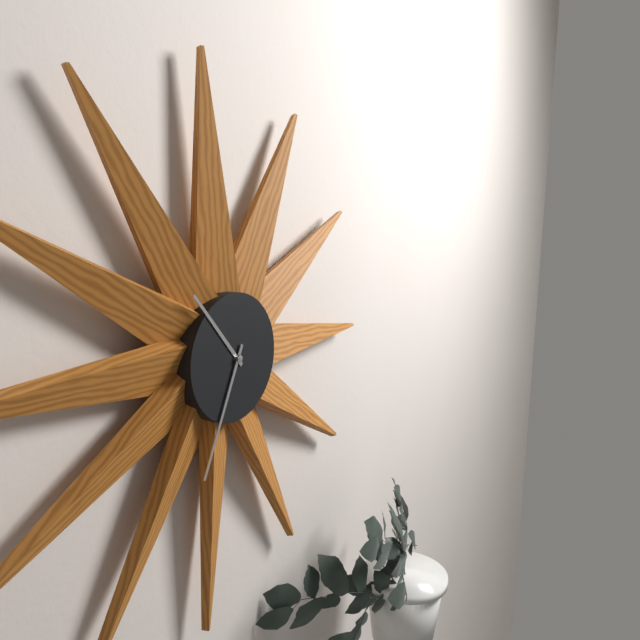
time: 10:34
